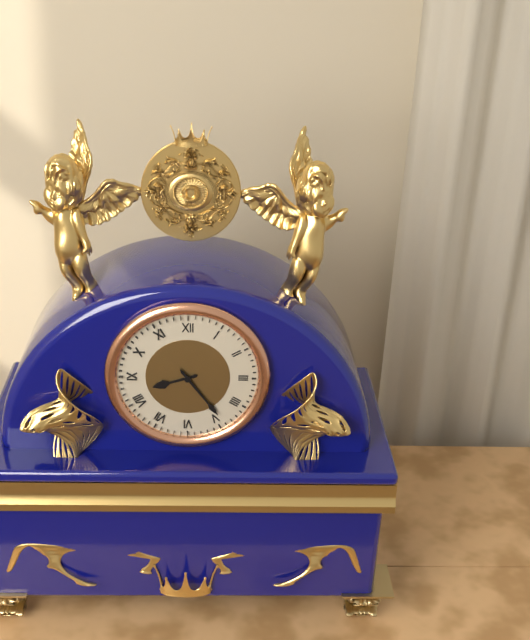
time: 8:24
